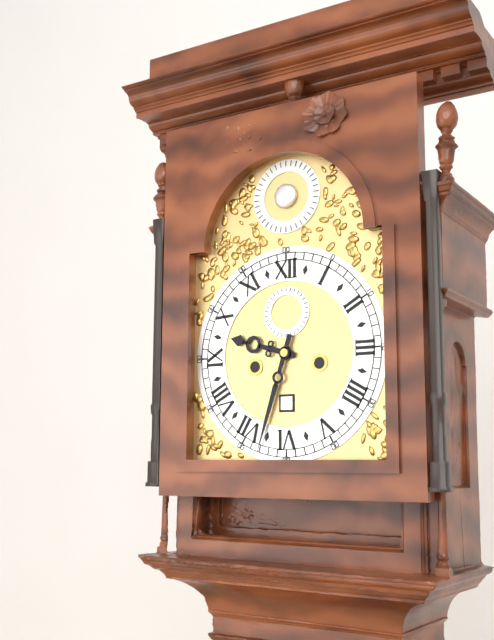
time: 9:33
